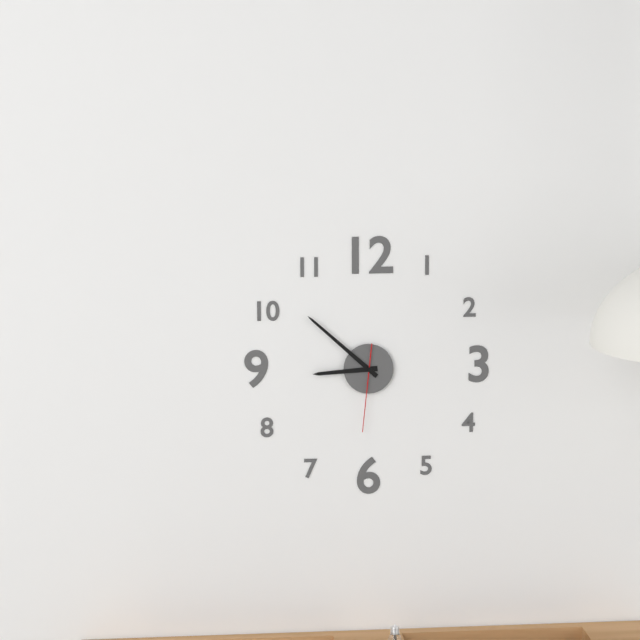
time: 8:52:31
